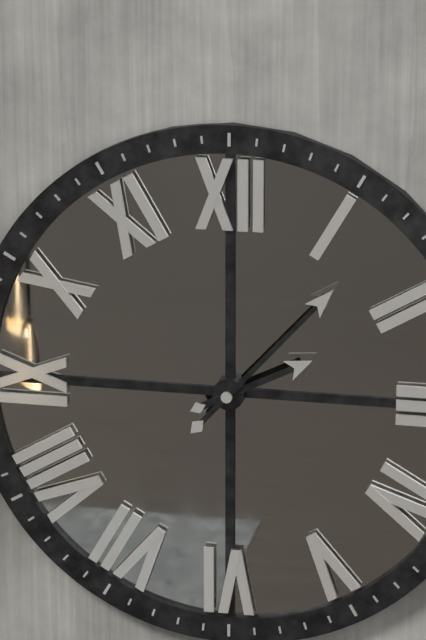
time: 2:07
